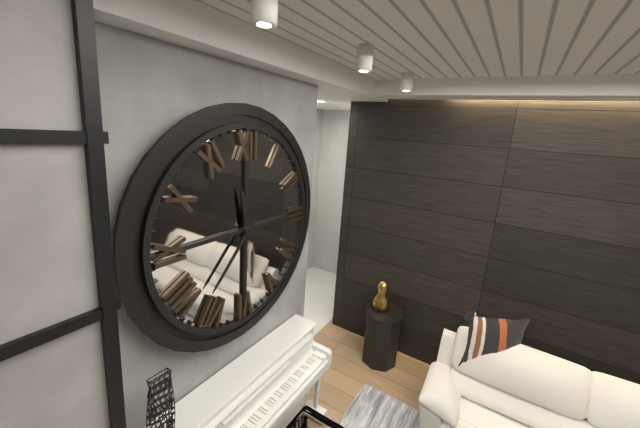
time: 11:37
